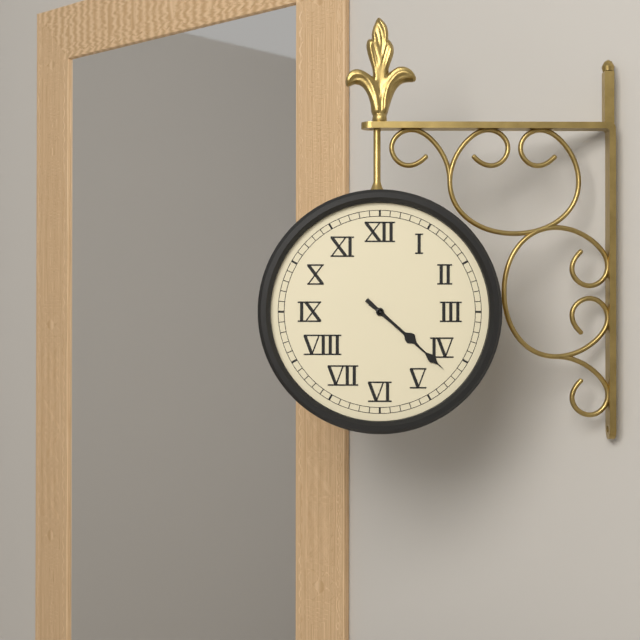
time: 4:22
